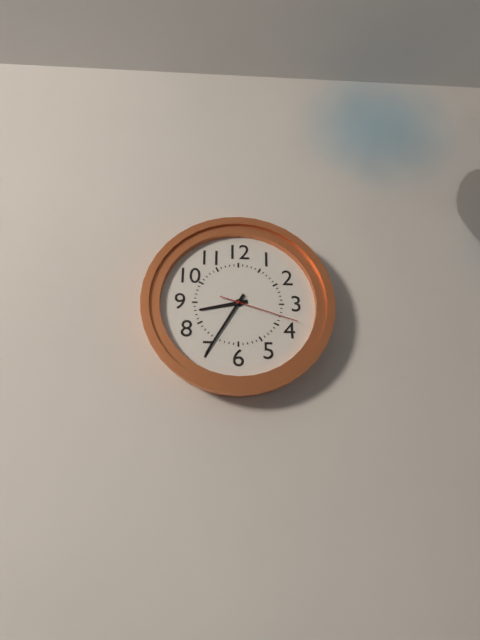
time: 8:35:18
